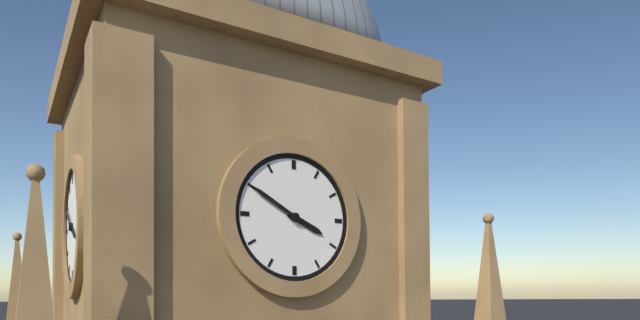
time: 3:50
